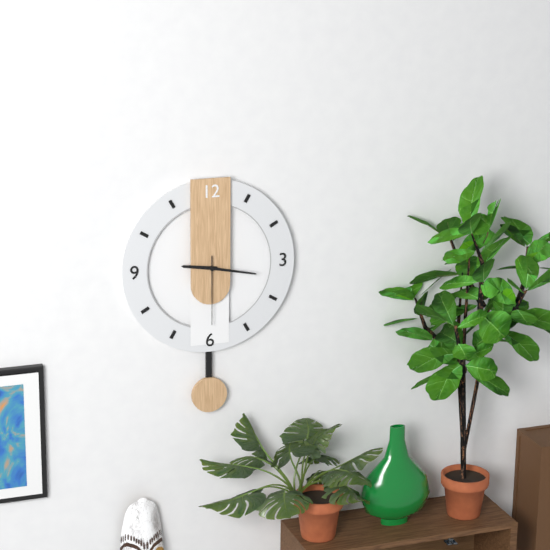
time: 9:17:30
